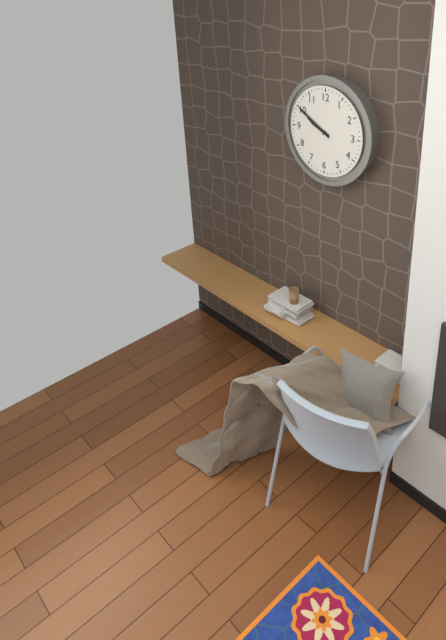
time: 9:50
